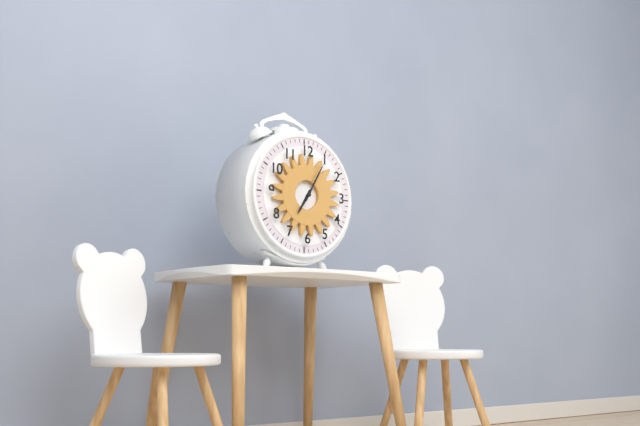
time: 7:05
